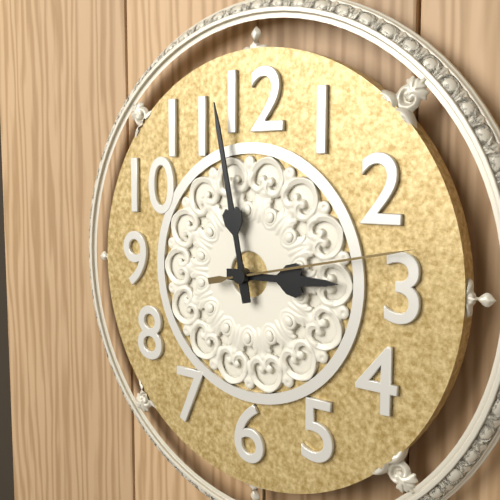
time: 2:58:13
